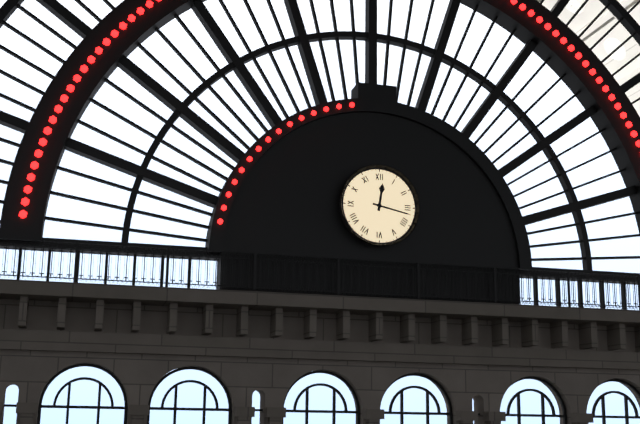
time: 12:17
